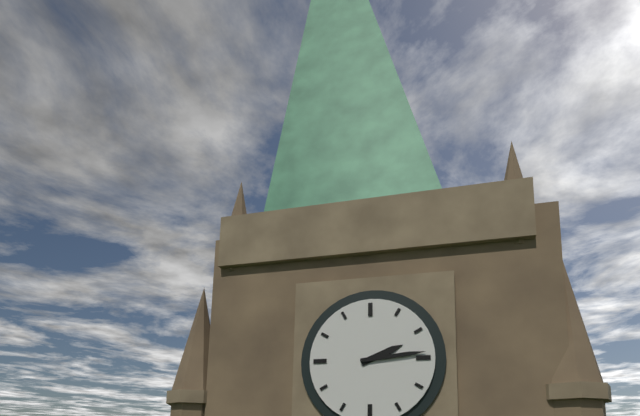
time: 2:14
